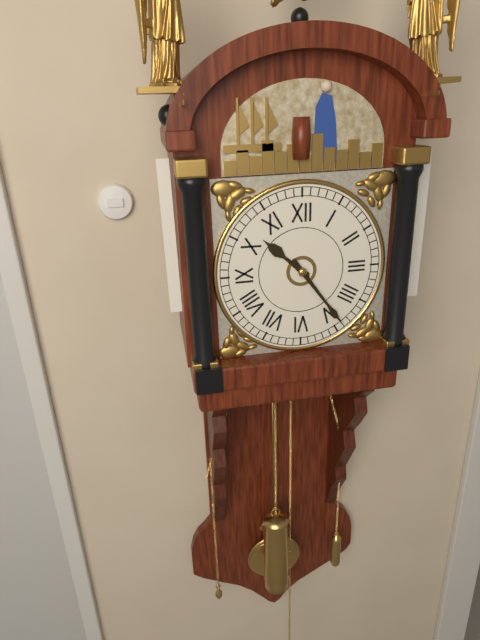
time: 10:24
